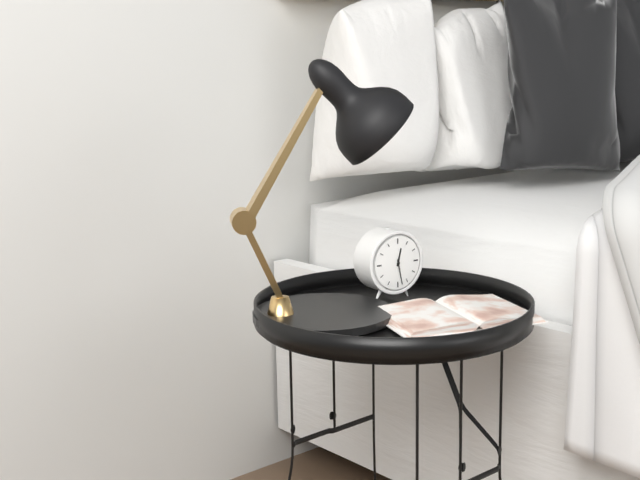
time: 12:28
